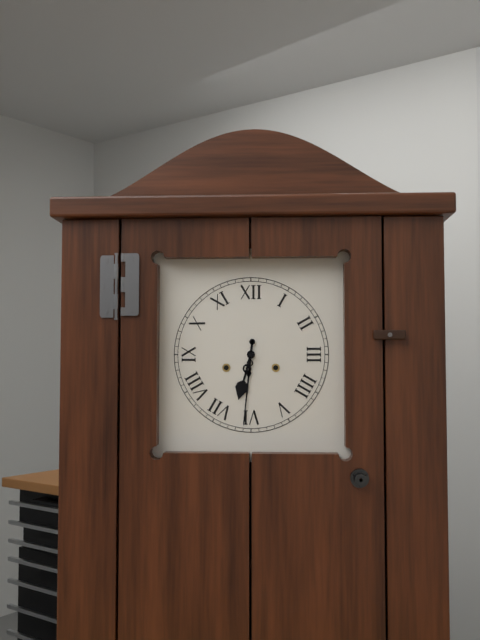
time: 6:31
